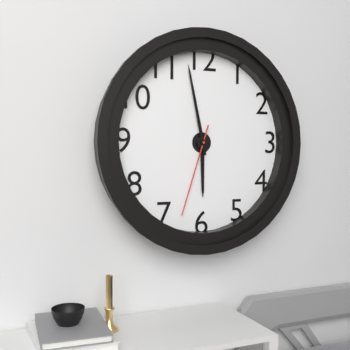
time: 5:58:33
